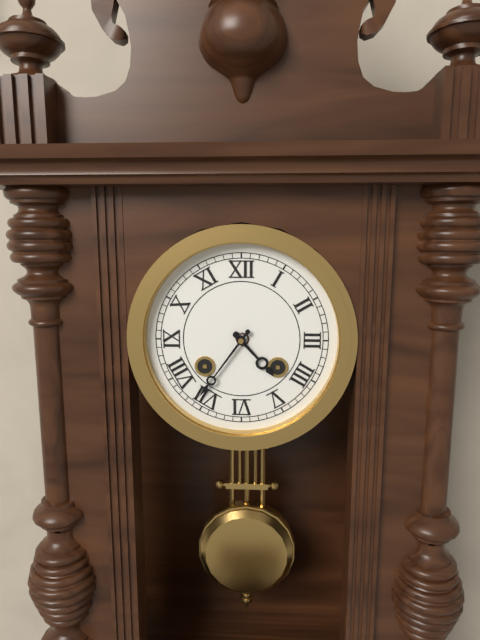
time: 4:36
